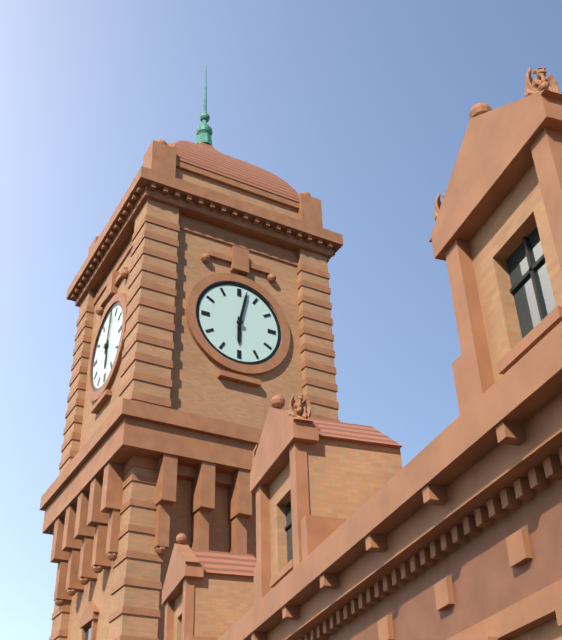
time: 6:02
